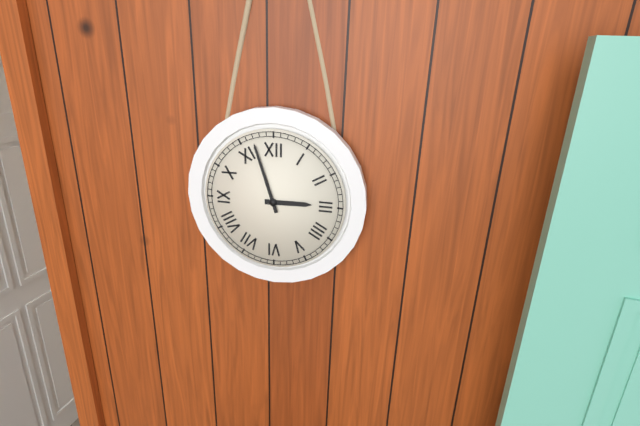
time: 2:57
